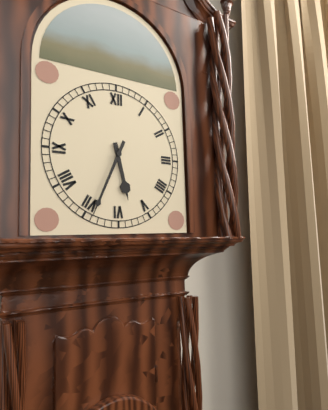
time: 5:34
